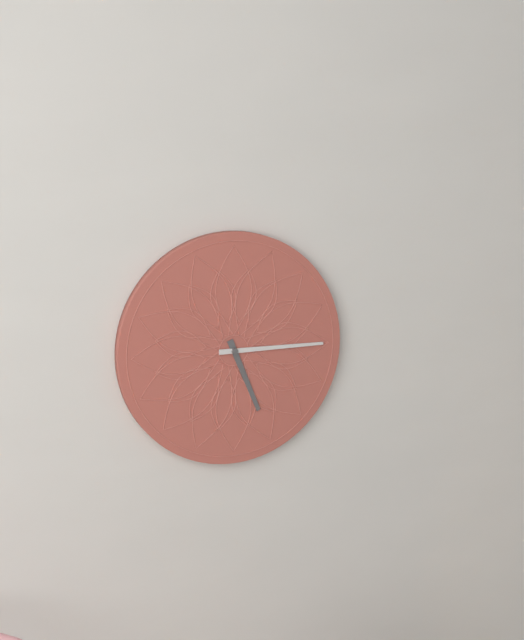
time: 5:15
